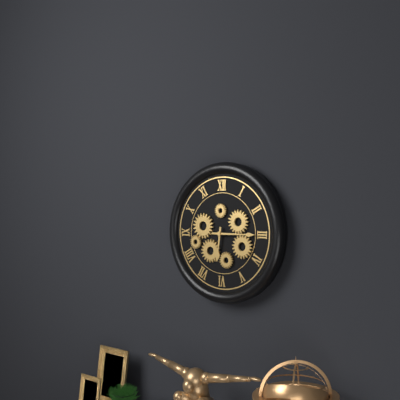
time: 6:15
